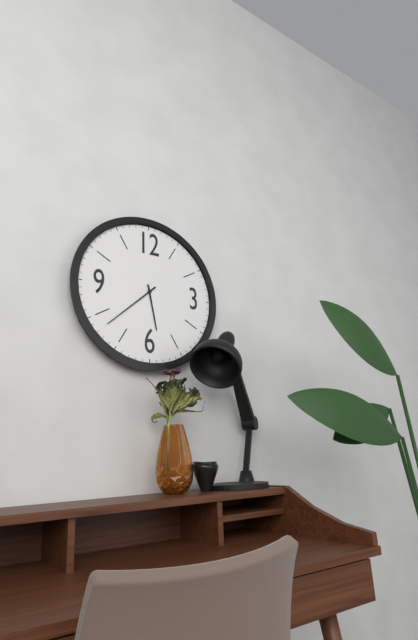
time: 5:38
